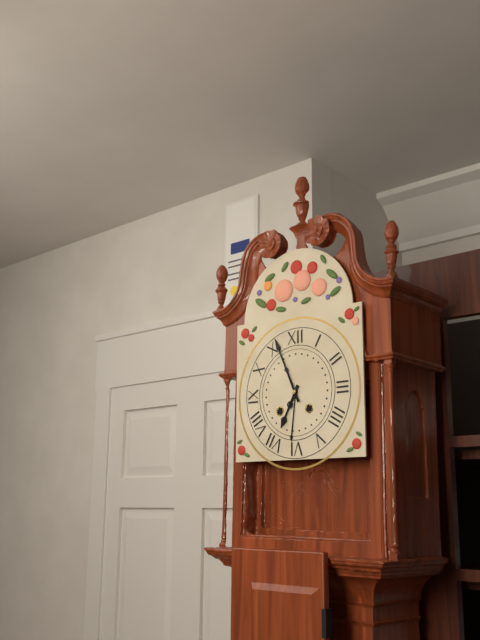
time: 6:56
